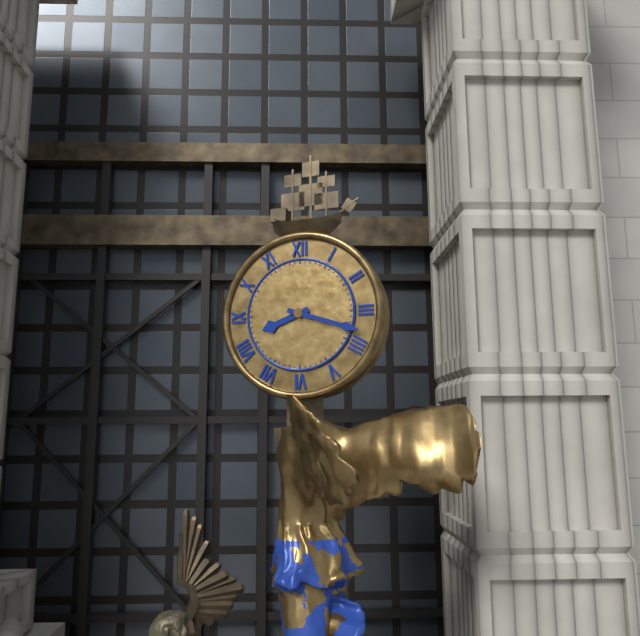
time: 8:18
